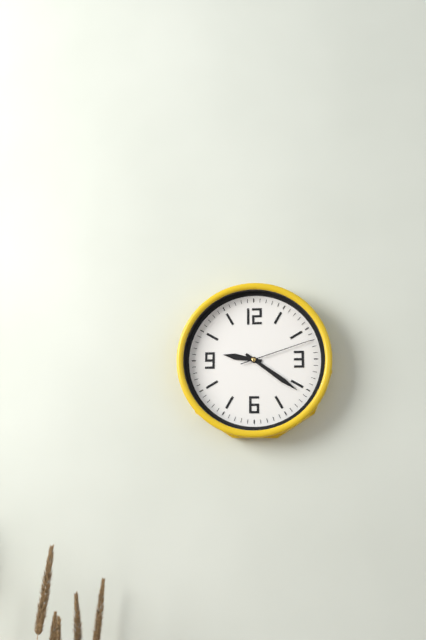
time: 9:21:12
